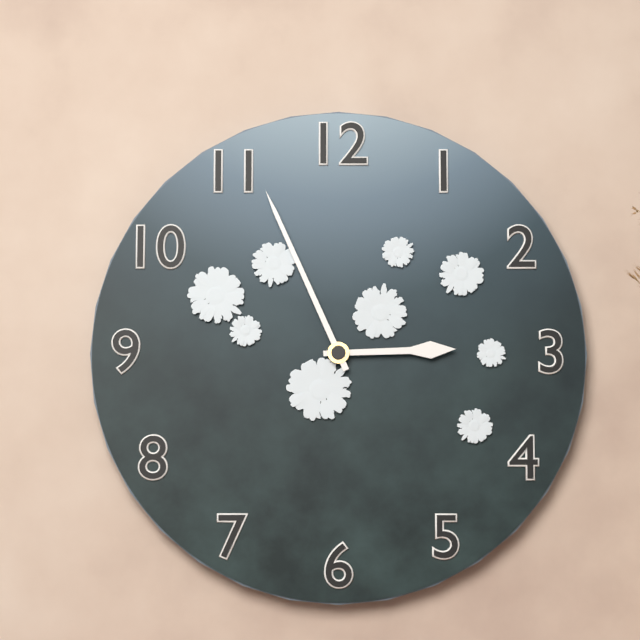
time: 2:56
